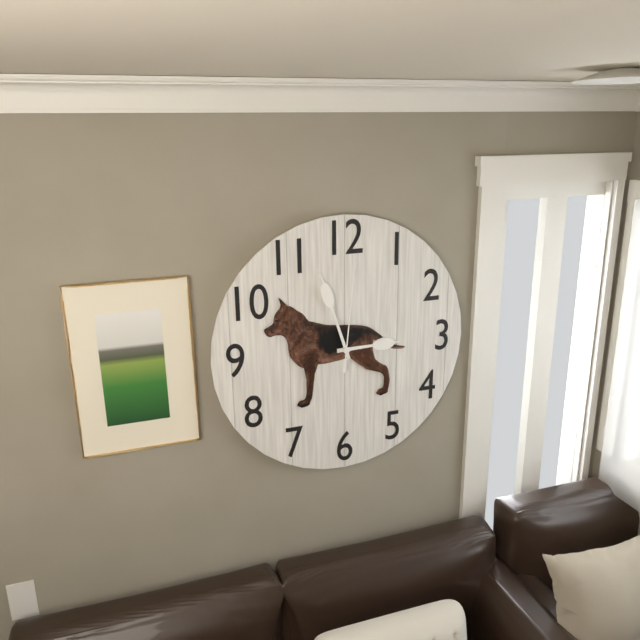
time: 2:57:01
